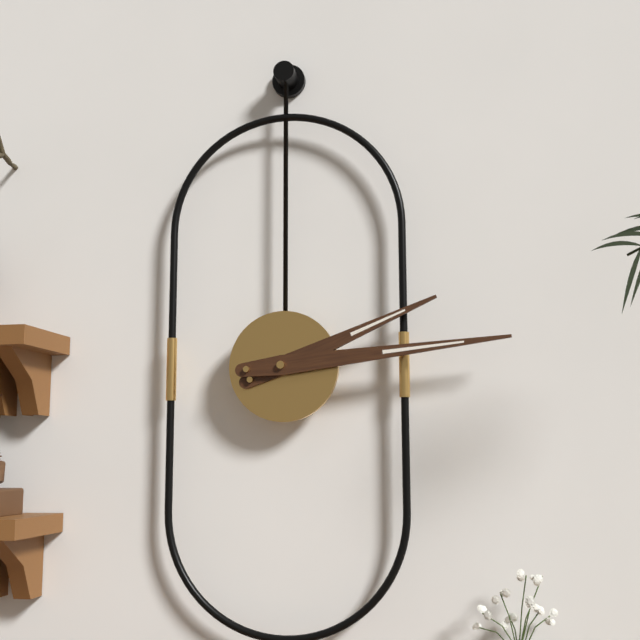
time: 2:14
